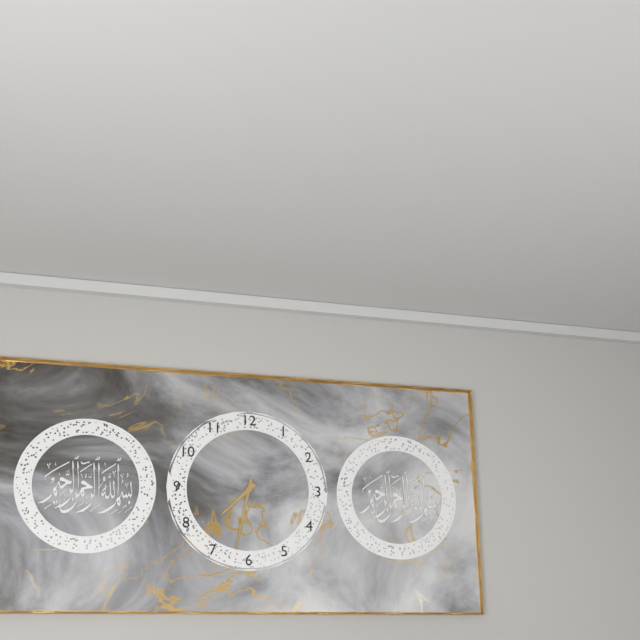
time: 7:32
